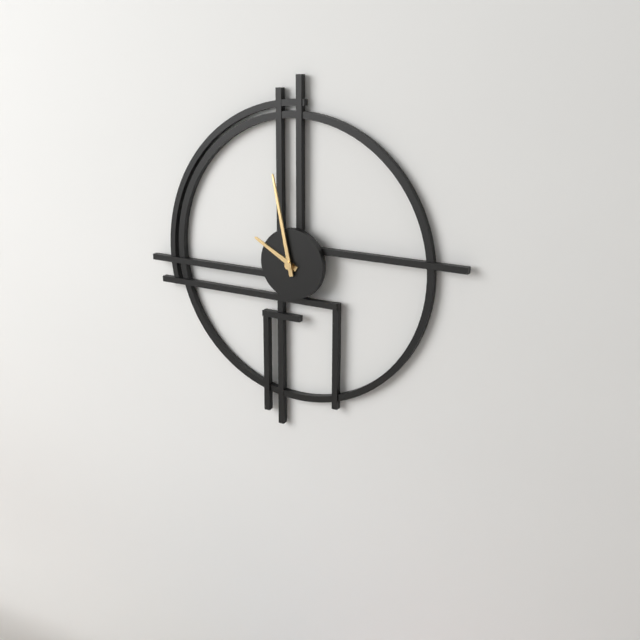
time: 9:58
